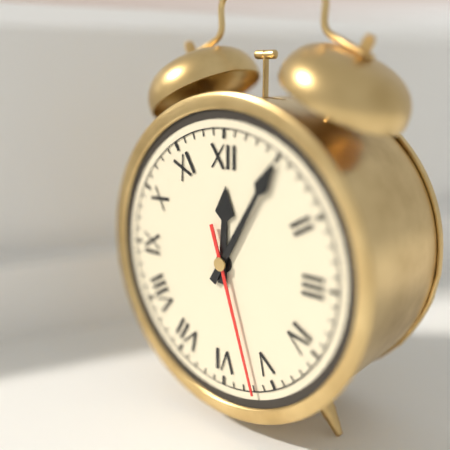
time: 12:05:27
